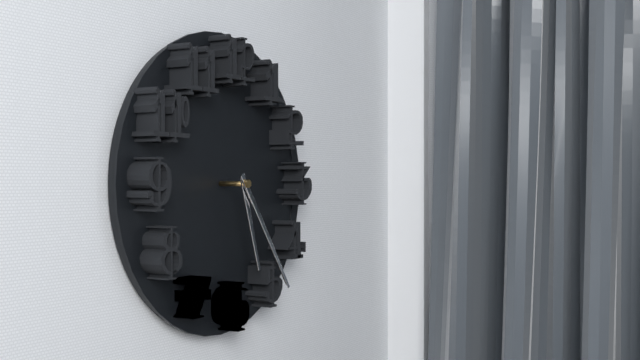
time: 5:24
